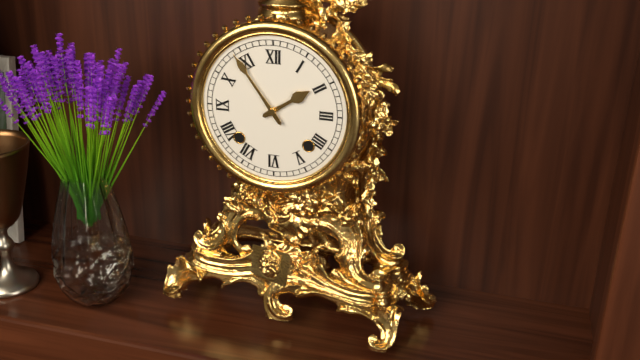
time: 1:54
